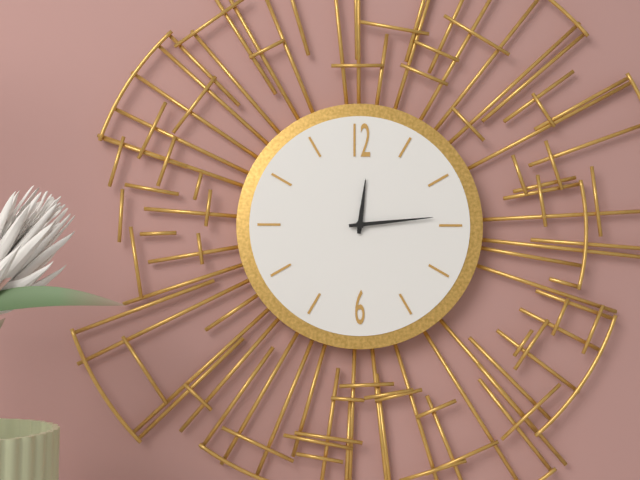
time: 12:14
